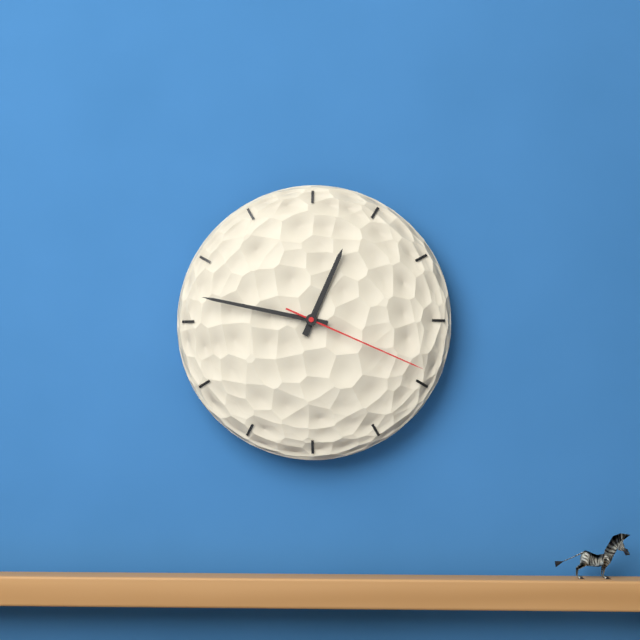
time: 12:47:19
